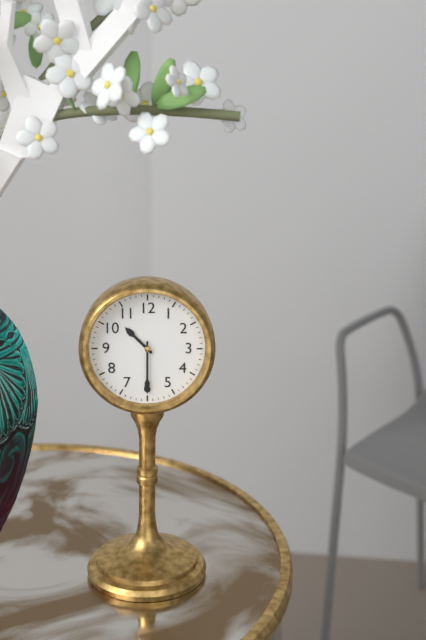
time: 10:30
